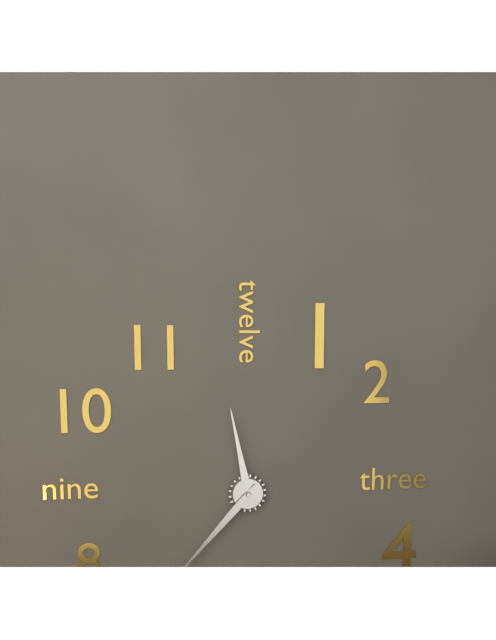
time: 11:37
